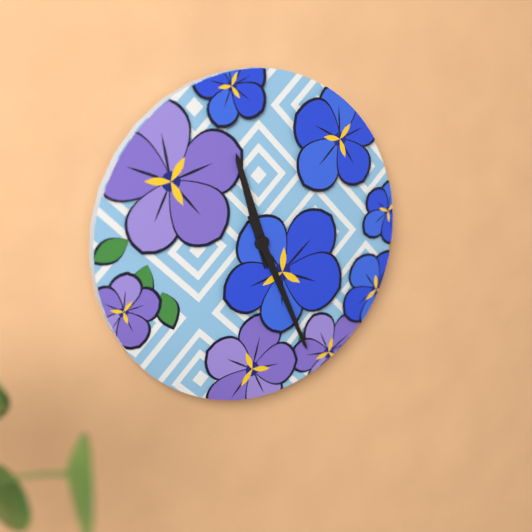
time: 11:26
